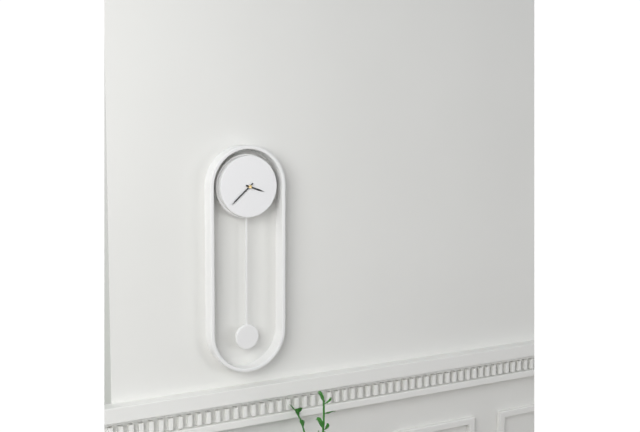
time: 3:38
